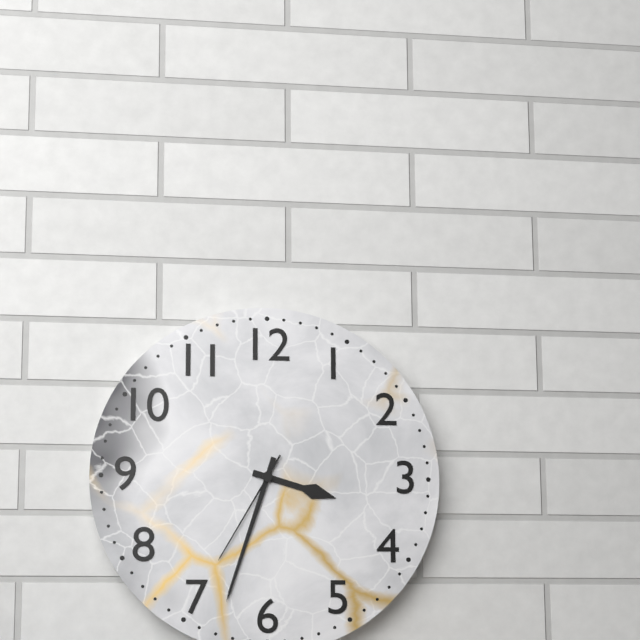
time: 3:33:35
